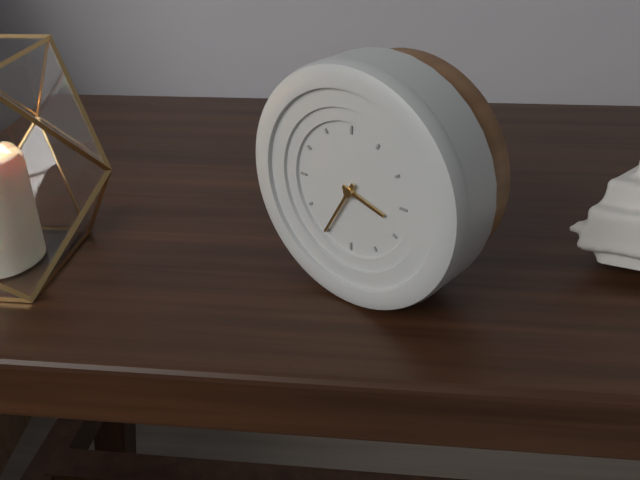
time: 3:35
